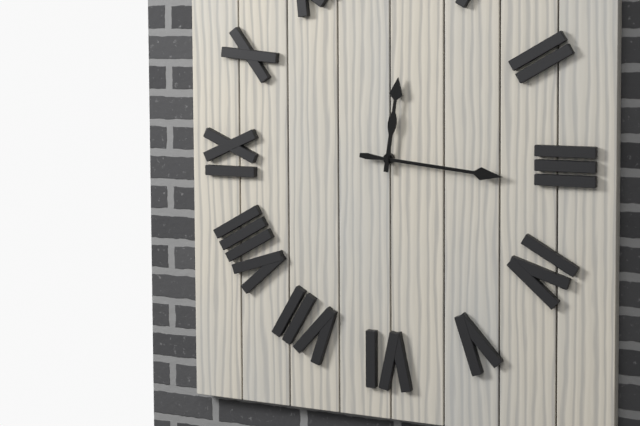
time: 12:16
